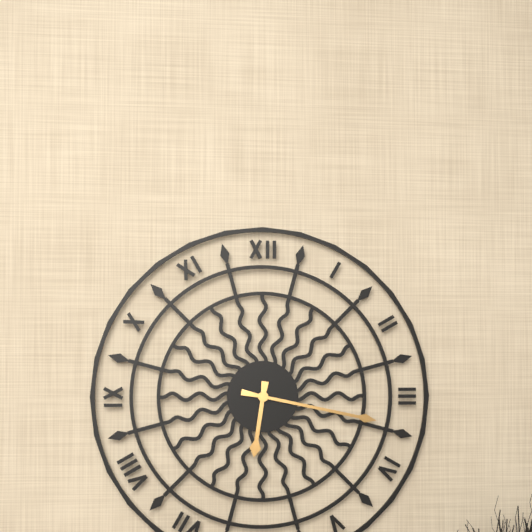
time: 6:17
